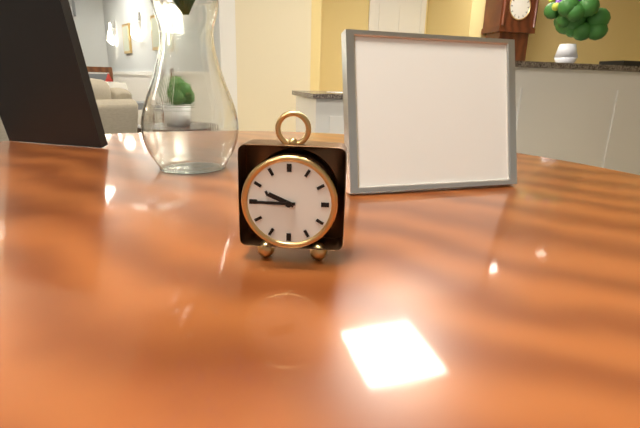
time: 9:45
